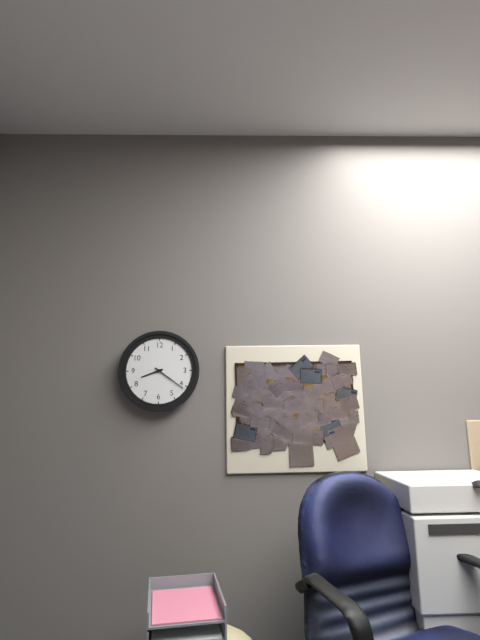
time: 8:21
